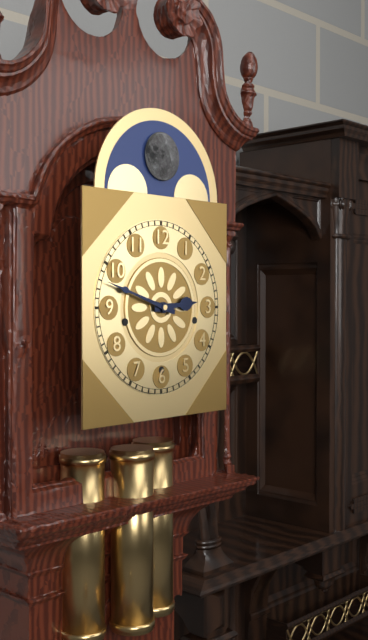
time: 2:48
